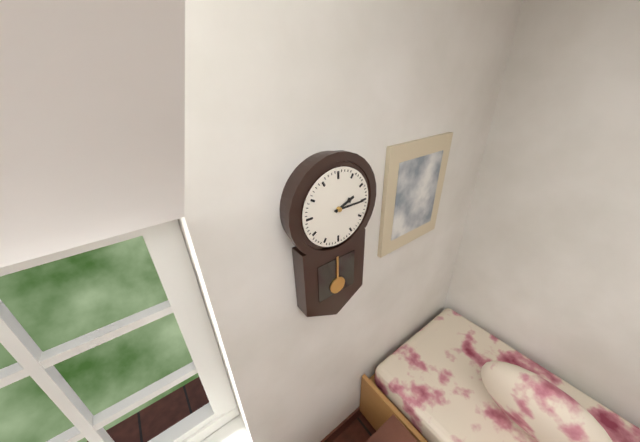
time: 2:15
